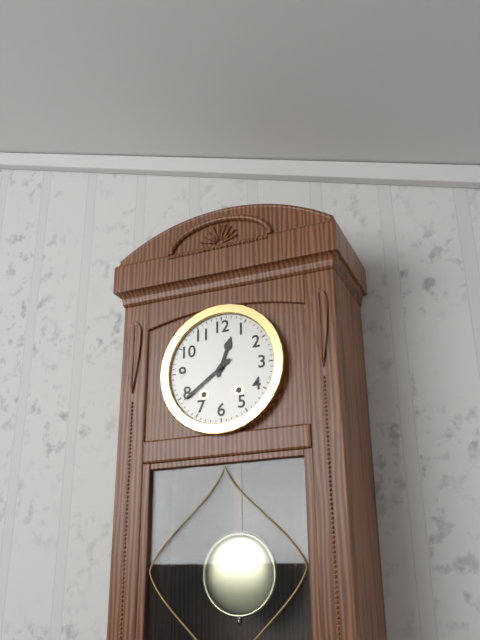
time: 12:39
